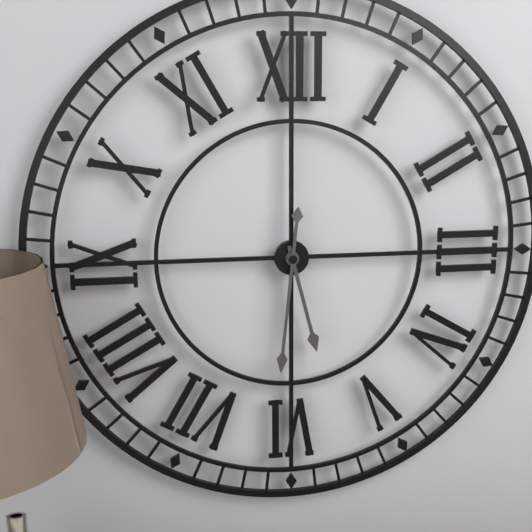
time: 5:31
